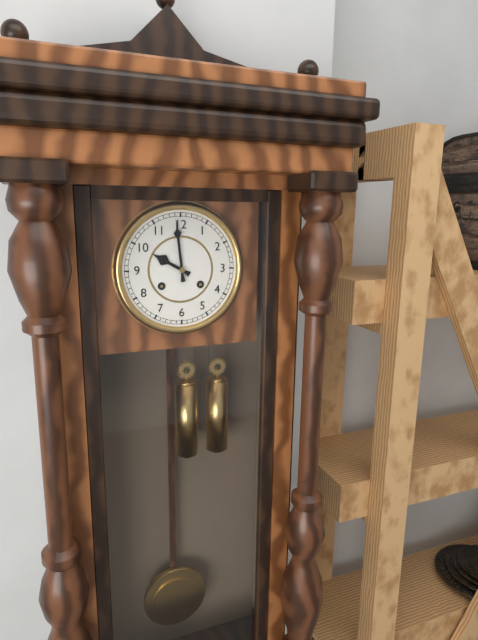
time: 9:59
